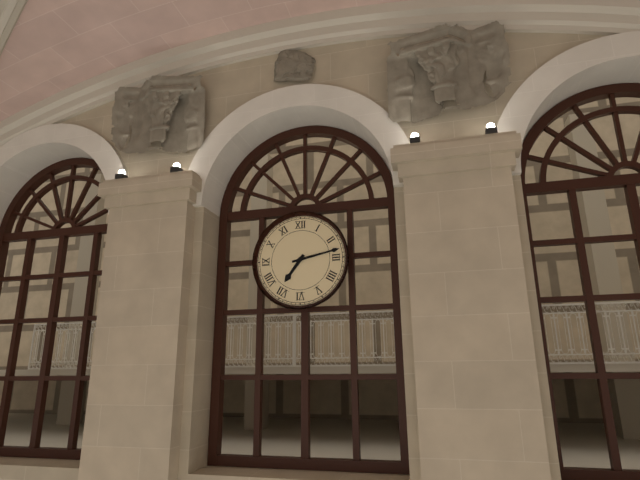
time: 7:13
